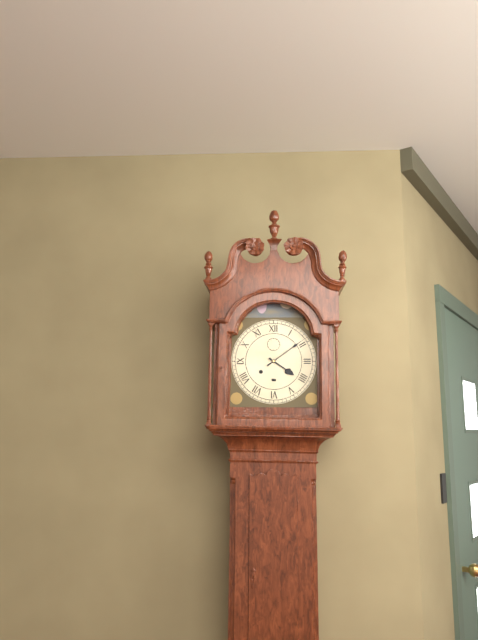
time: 4:09
